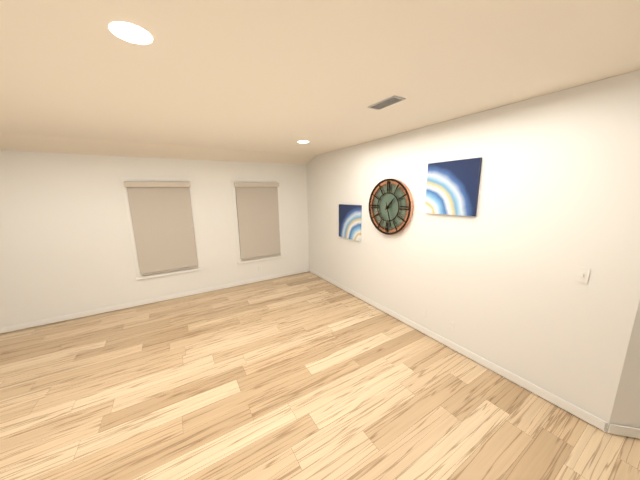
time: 1:27
